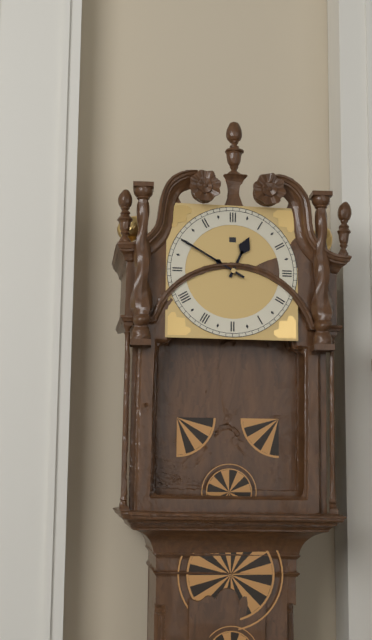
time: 12:50
